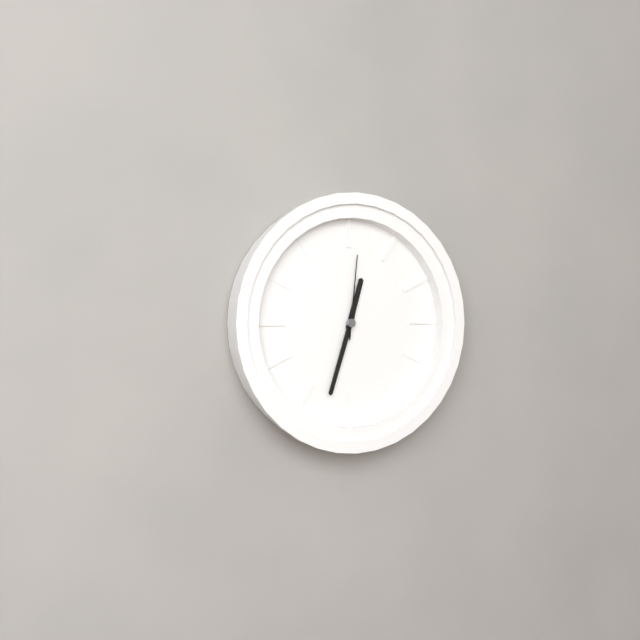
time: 12:33:01
